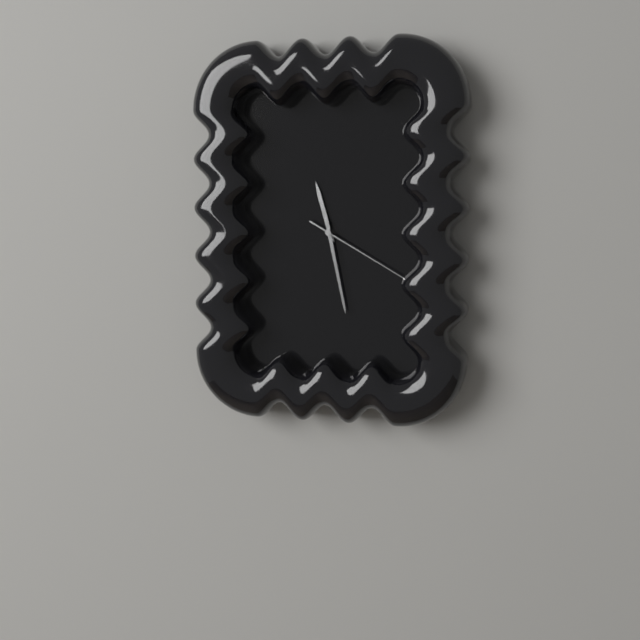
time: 11:28:20
